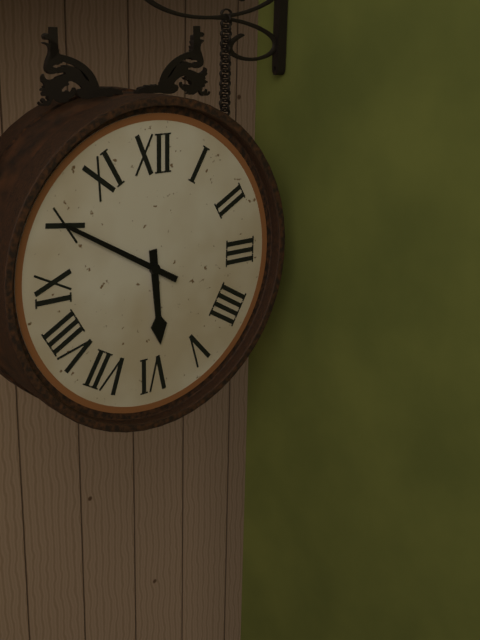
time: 5:50
